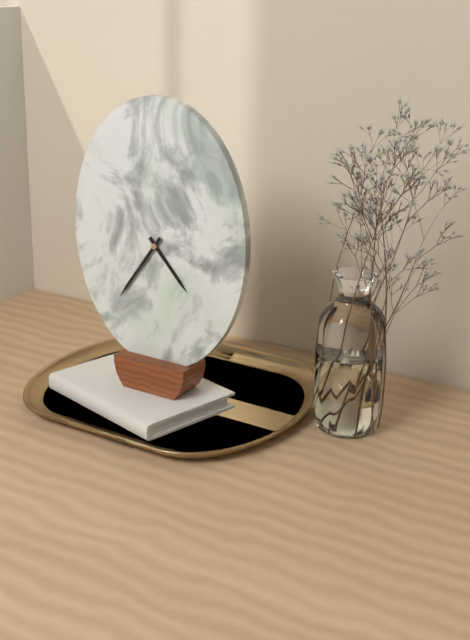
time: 4:36
